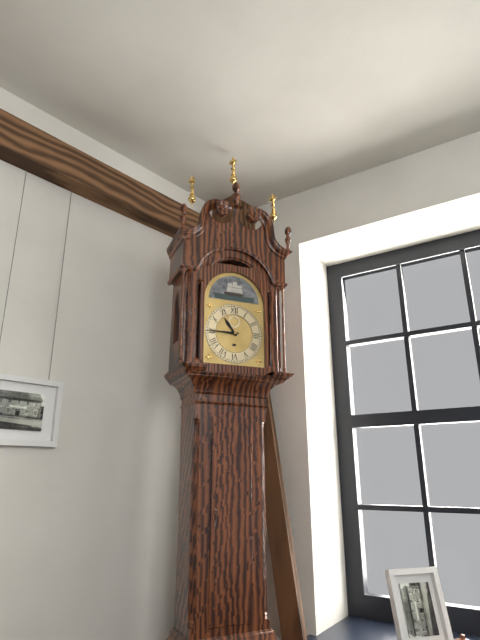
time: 10:45
